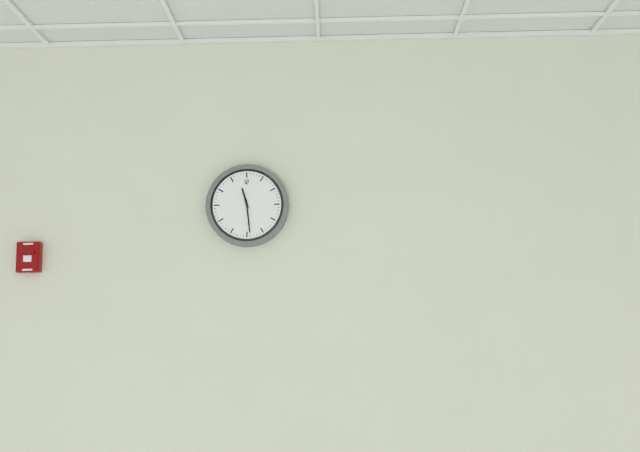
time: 11:29
